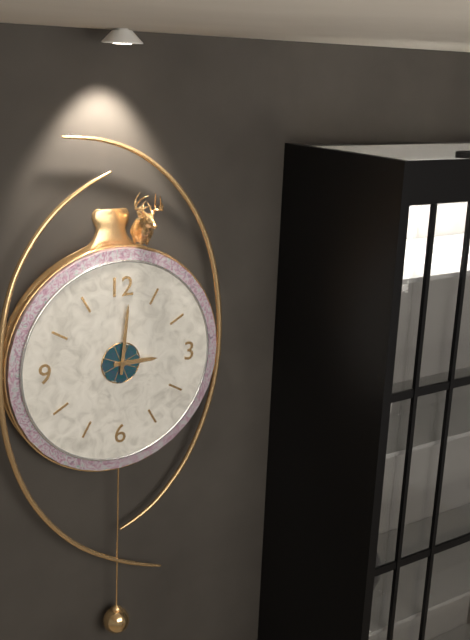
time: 3:01
